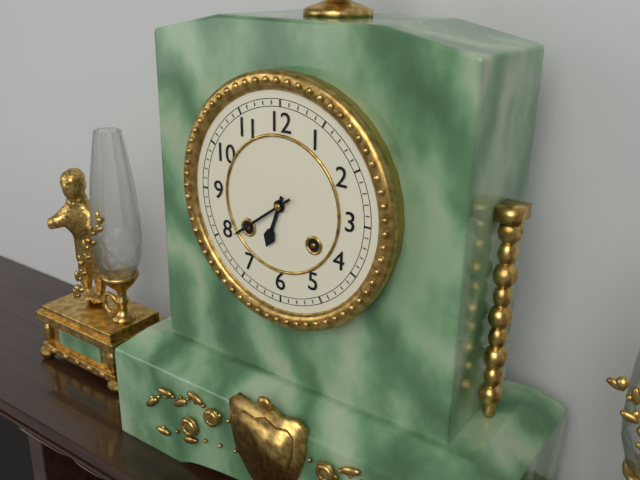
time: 6:39
